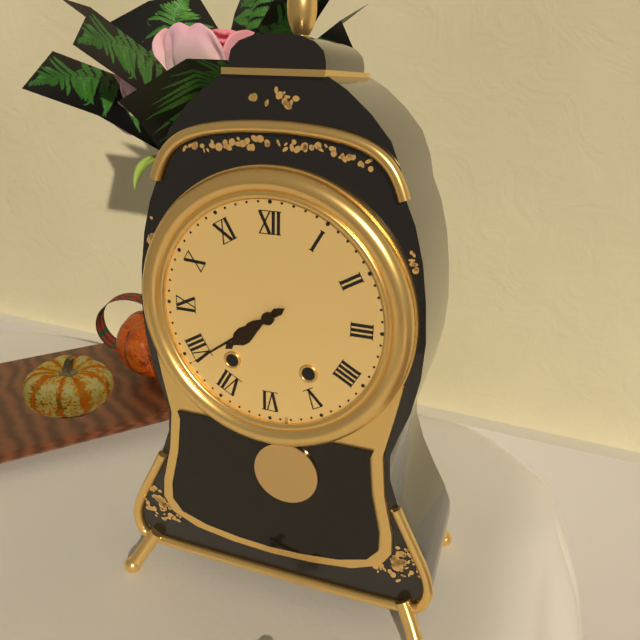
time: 7:39
